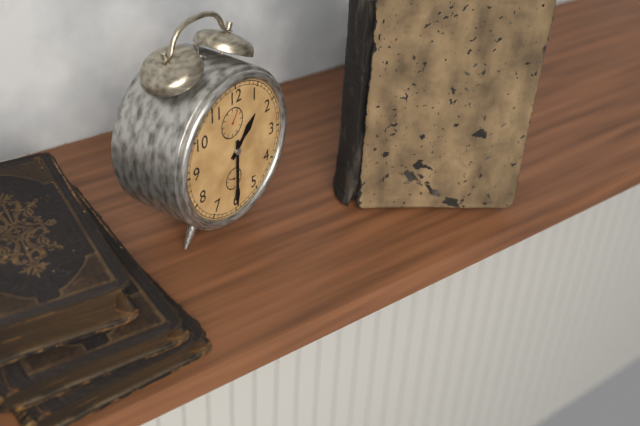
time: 1:30
